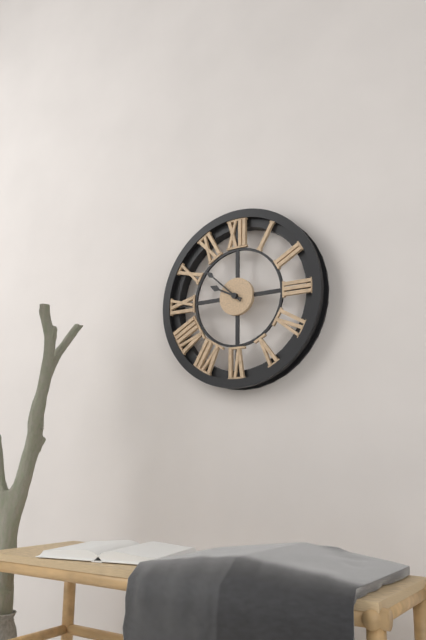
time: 9:52
